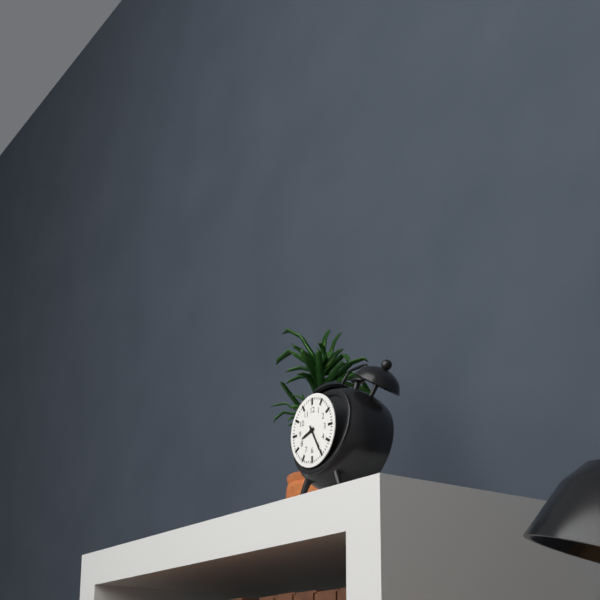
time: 8:25
